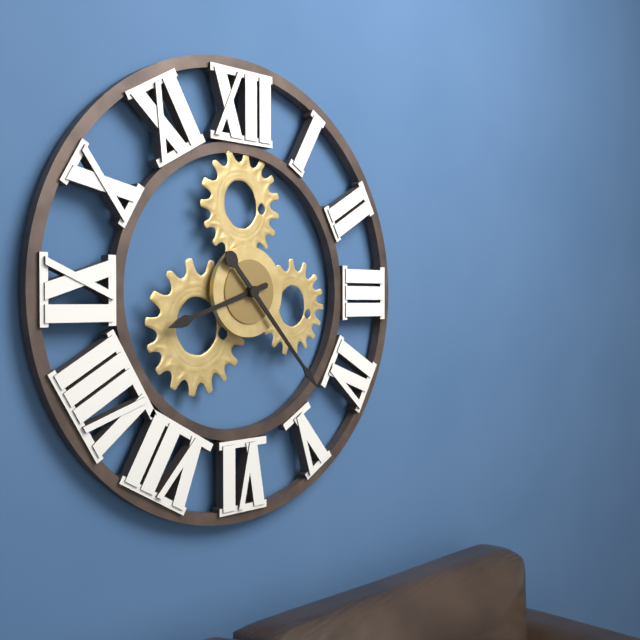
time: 8:23
